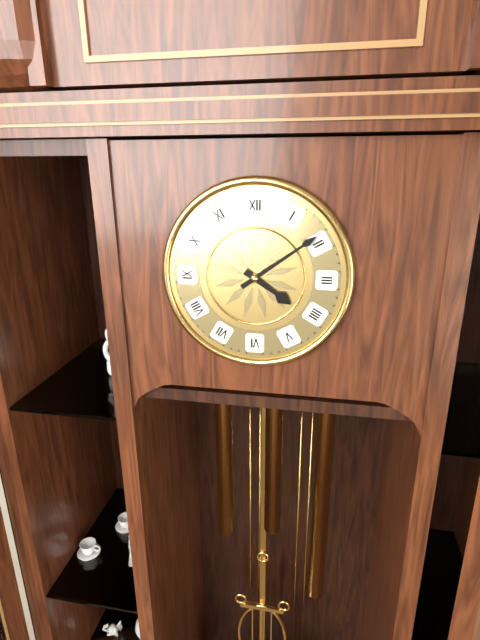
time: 4:09
